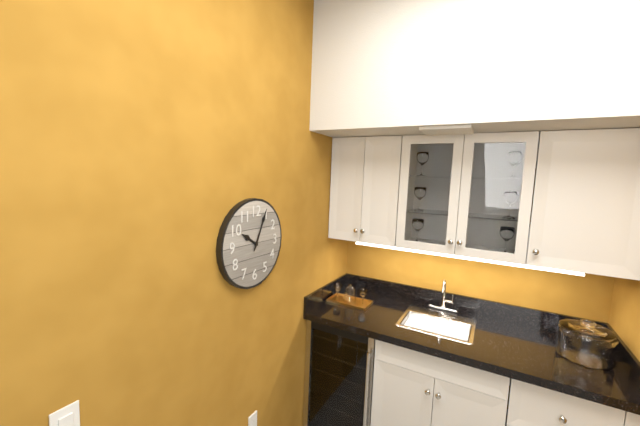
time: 10:04
